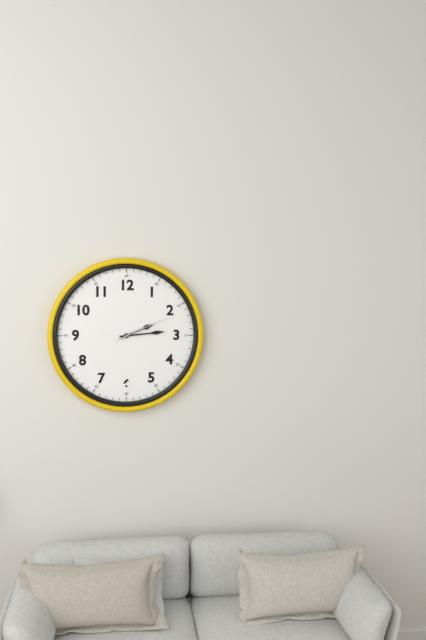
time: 2:14:11
